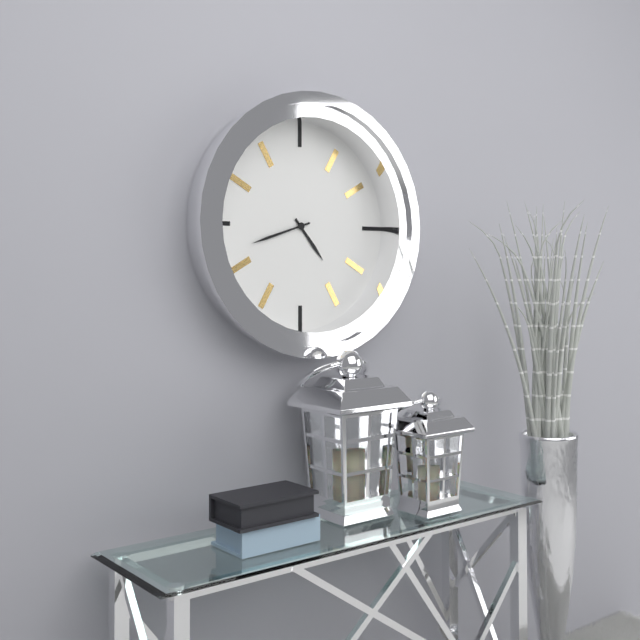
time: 4:42
